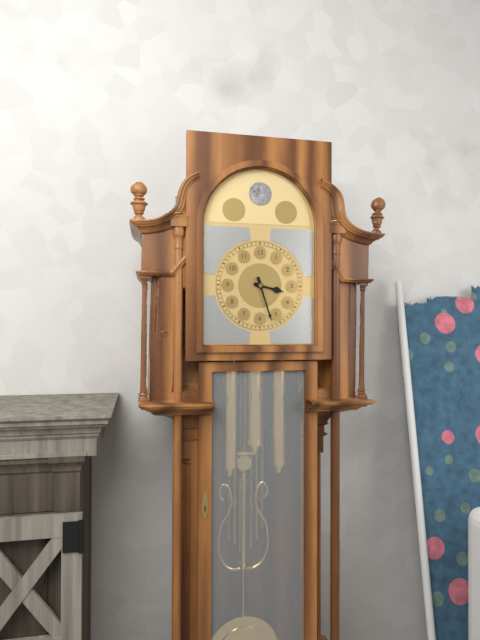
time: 3:27
